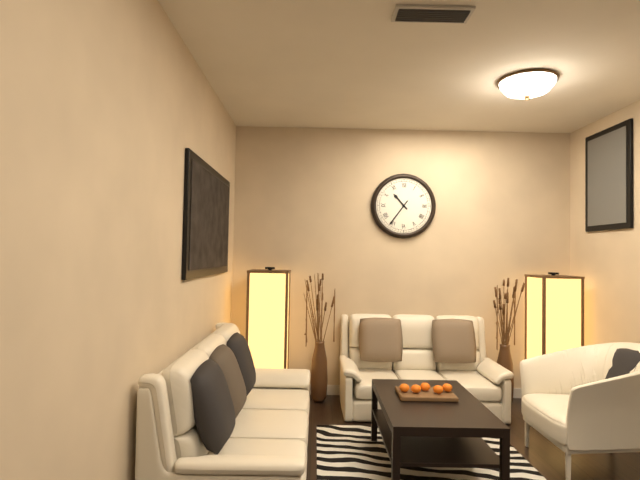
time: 10:36
